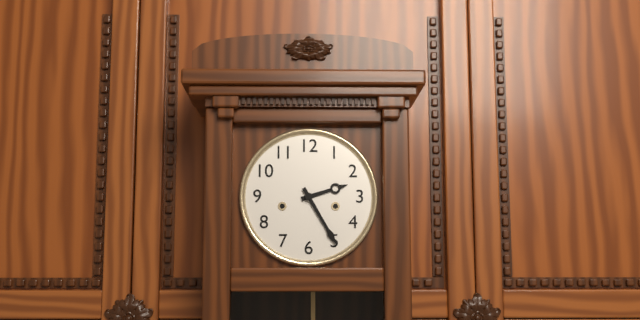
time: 2:25
